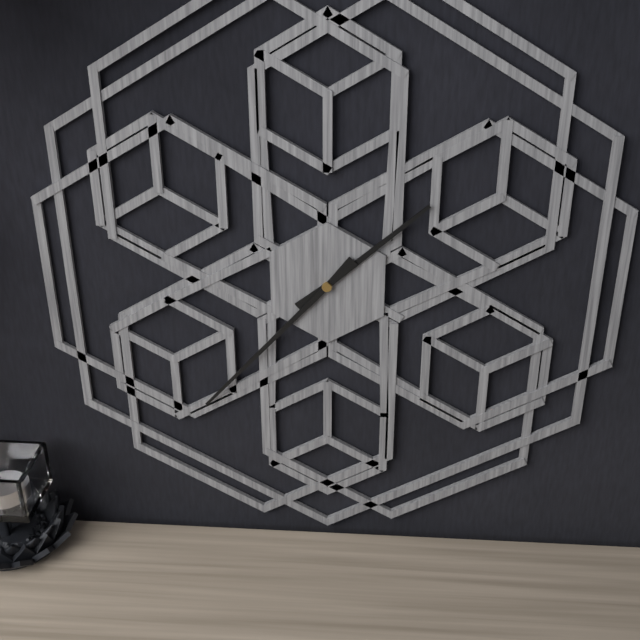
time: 1:37
